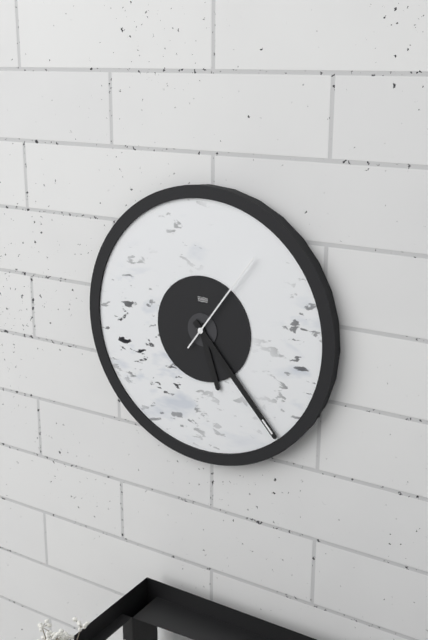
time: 5:23:06
